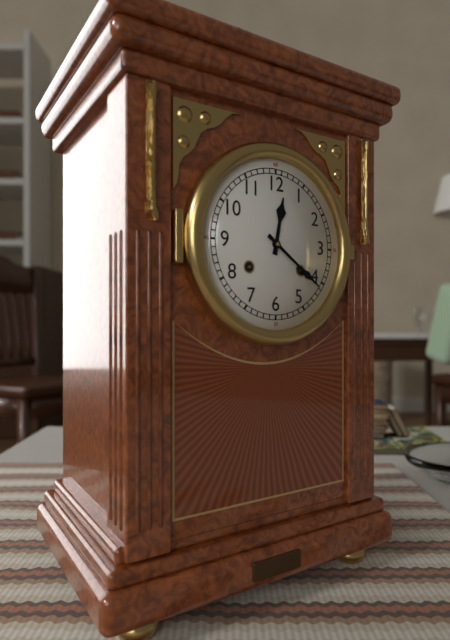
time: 12:21
